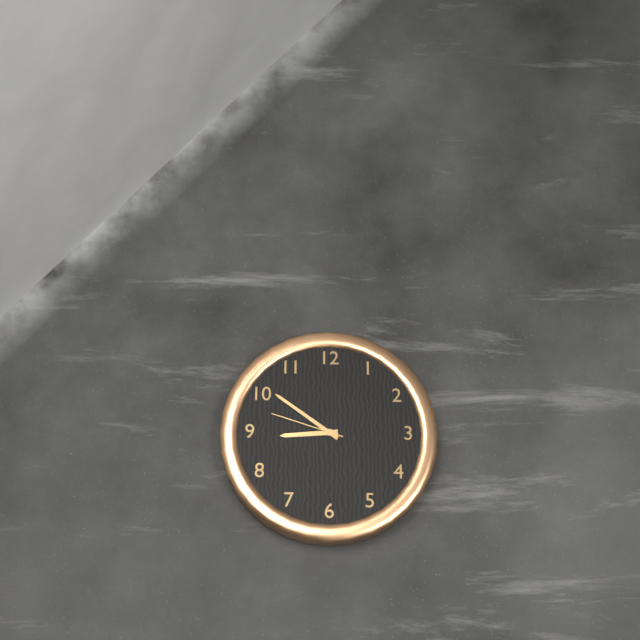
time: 8:51:48
